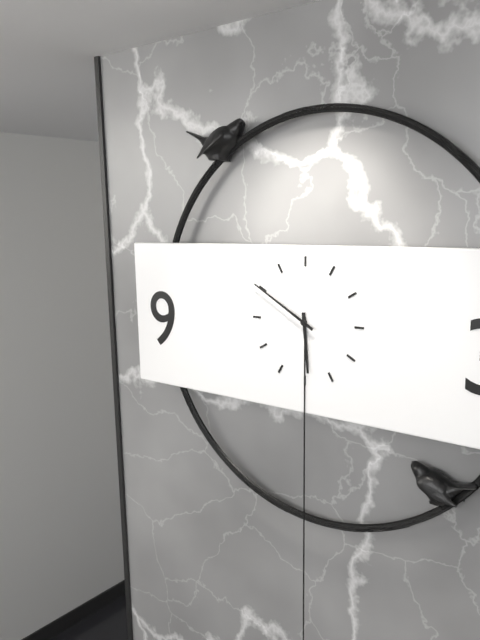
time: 5:50
